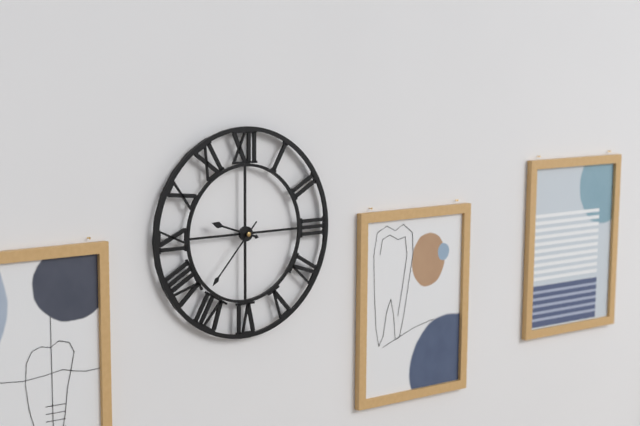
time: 9:37
